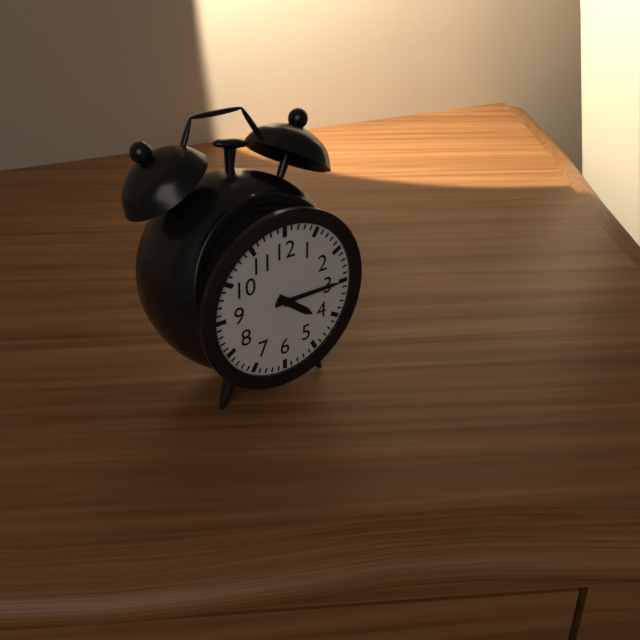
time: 4:15
